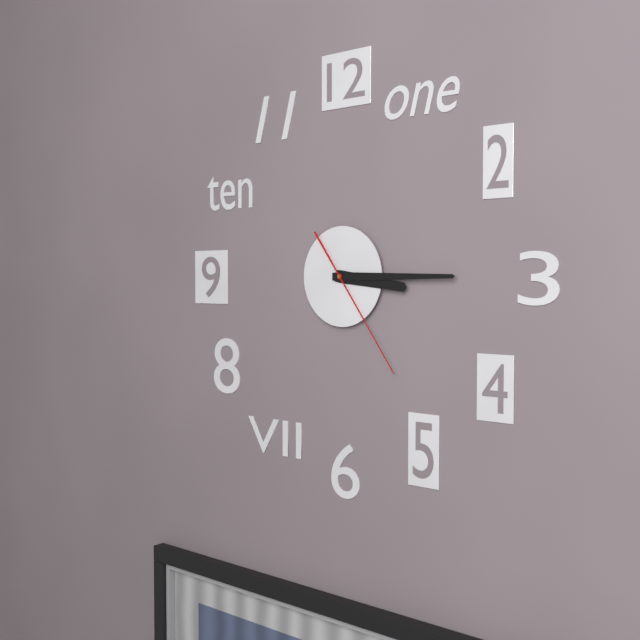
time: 3:15:24
